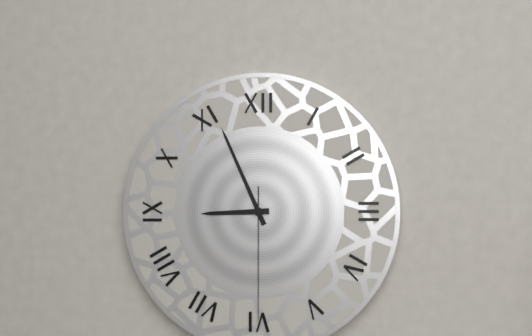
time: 8:56:30
